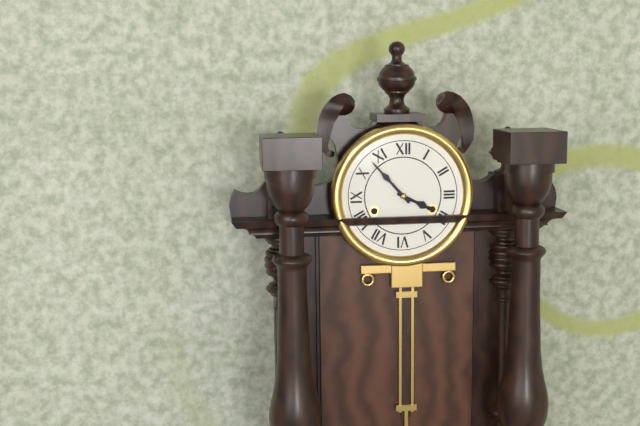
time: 3:53
